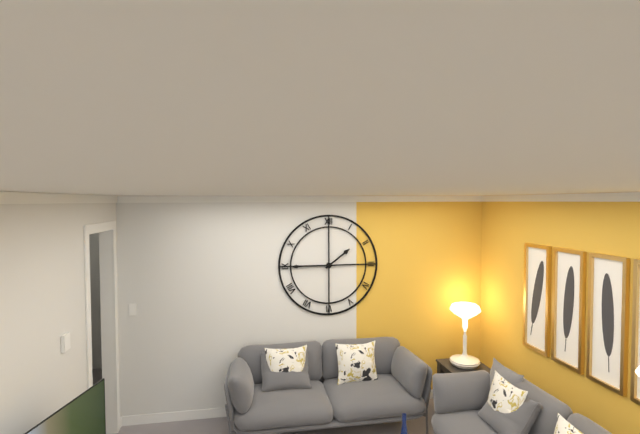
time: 1:45
